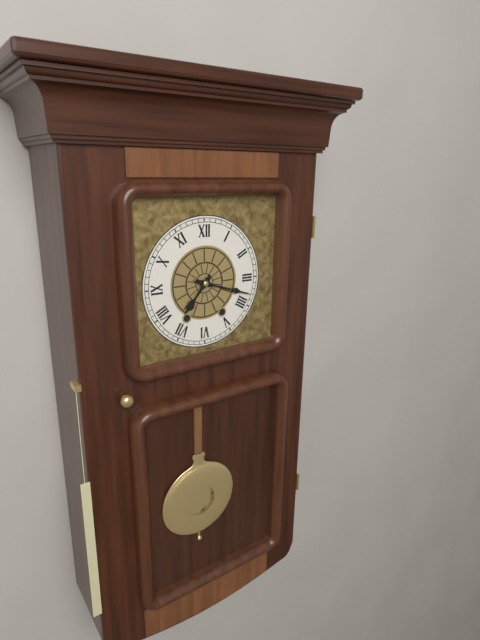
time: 7:18
